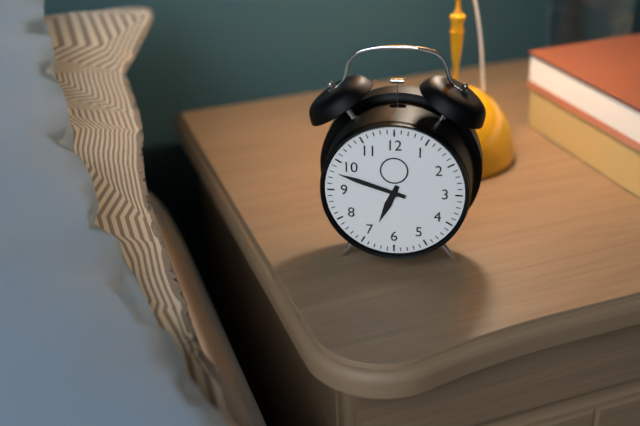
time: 6:48
